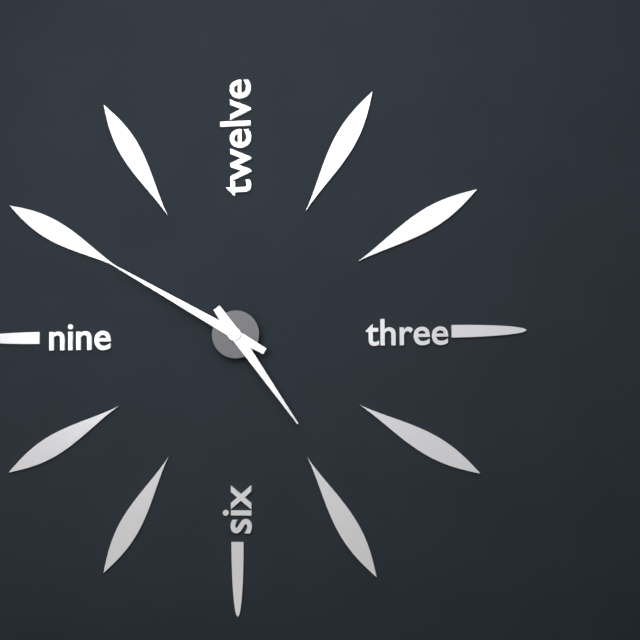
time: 4:50
